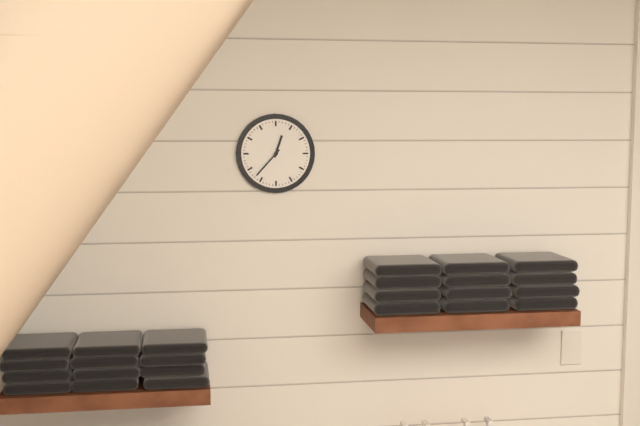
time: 12:37
